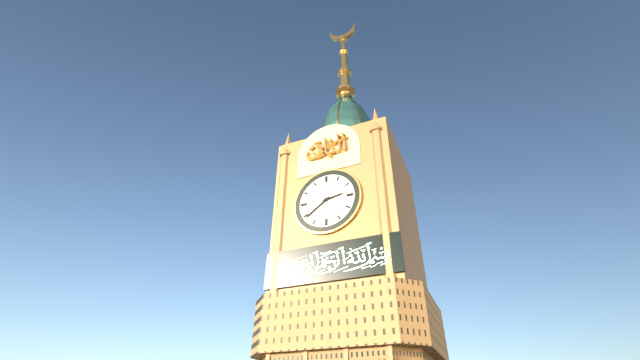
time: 2:39
